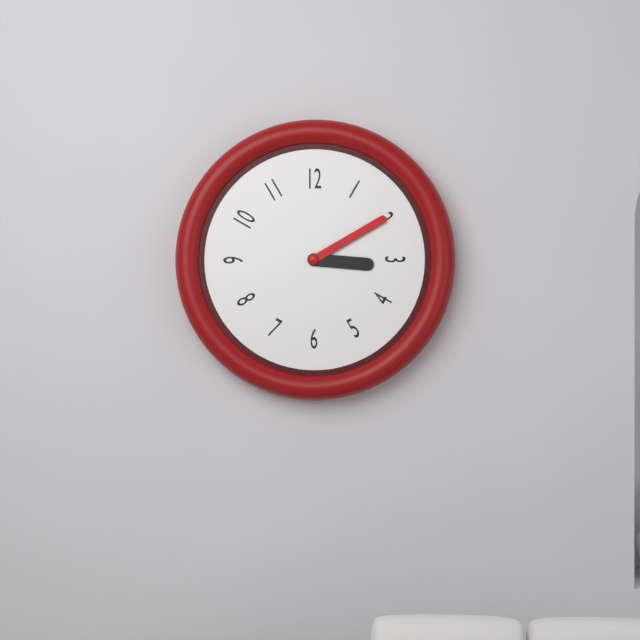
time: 3:10
